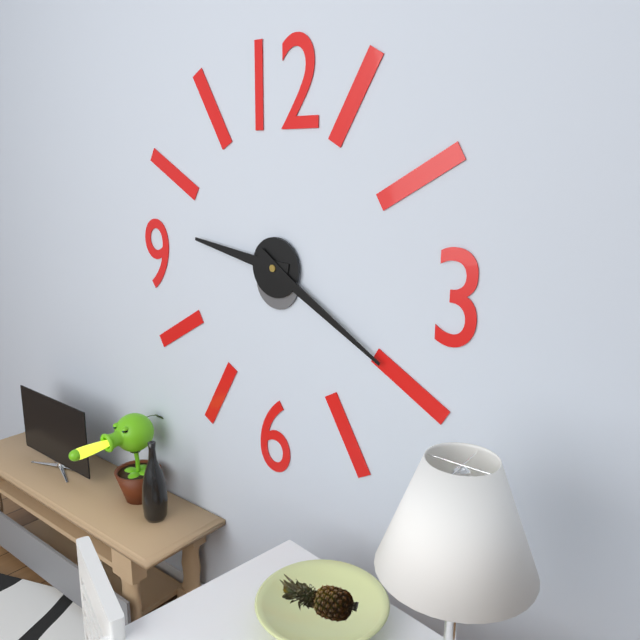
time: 9:20
